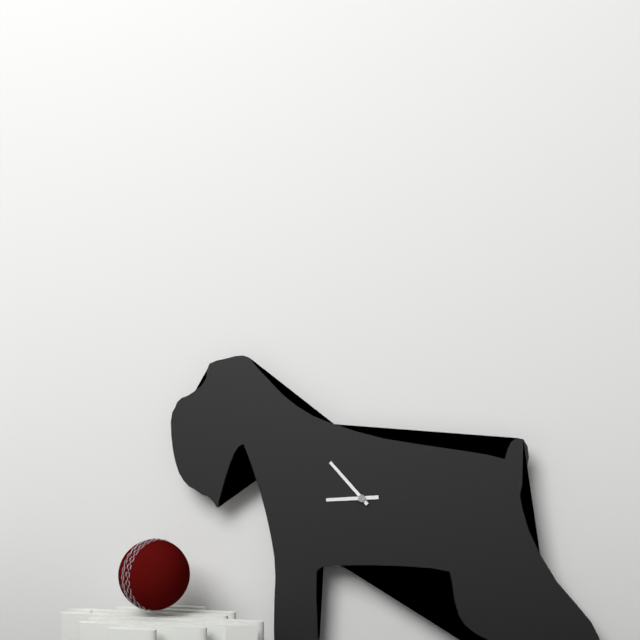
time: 8:53
